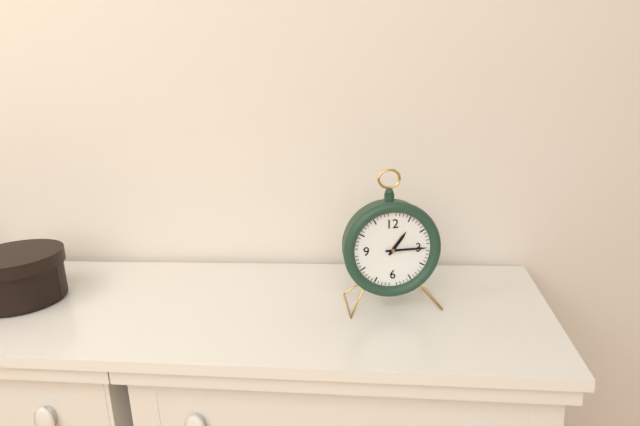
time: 1:15
